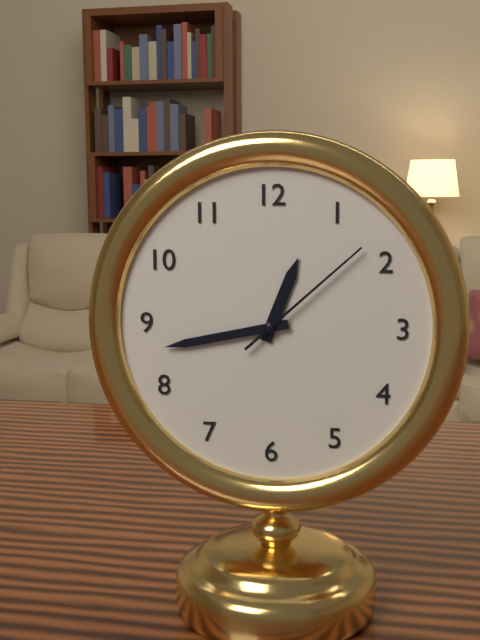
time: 12:43:08
